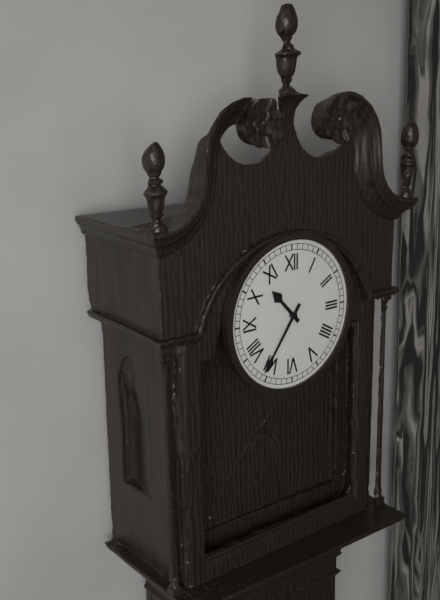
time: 10:36
